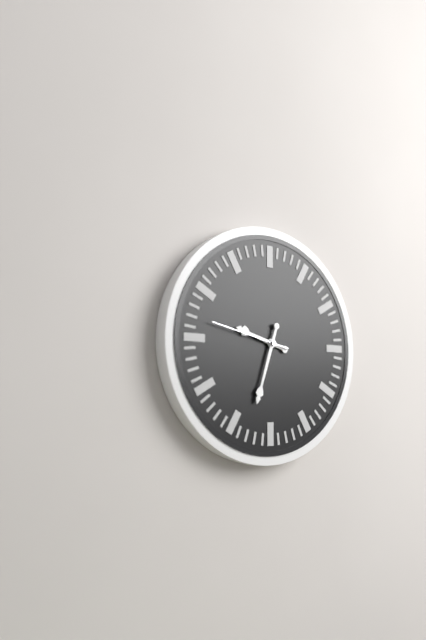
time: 9:33:47
